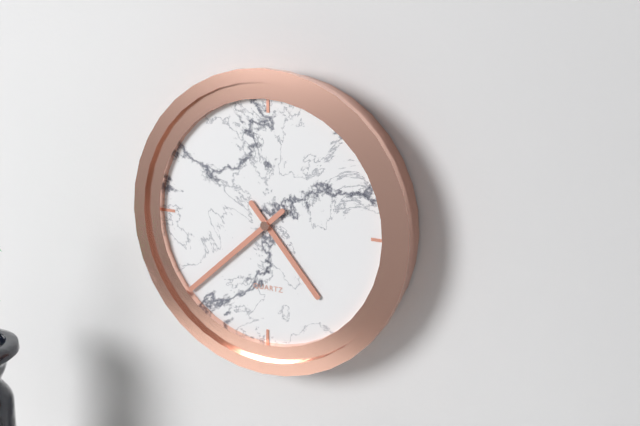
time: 4:38
